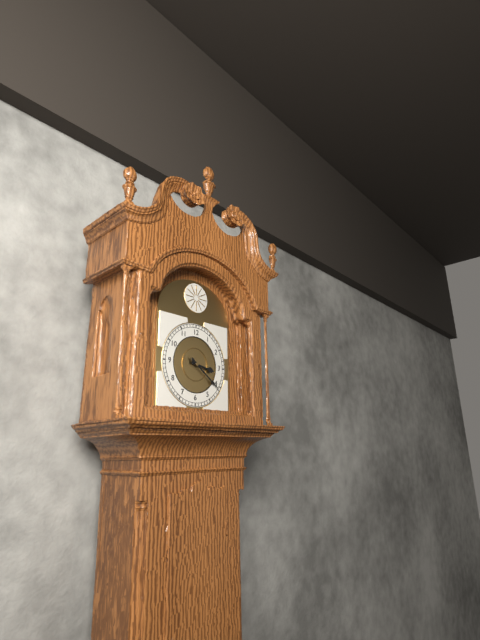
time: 3:21
